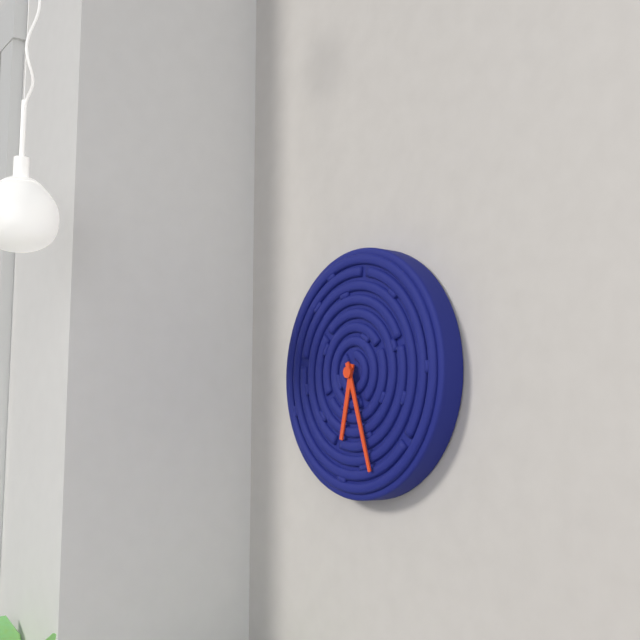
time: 6:27
